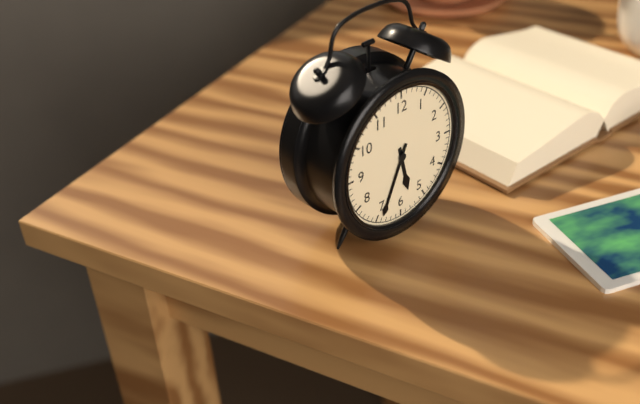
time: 5:34
